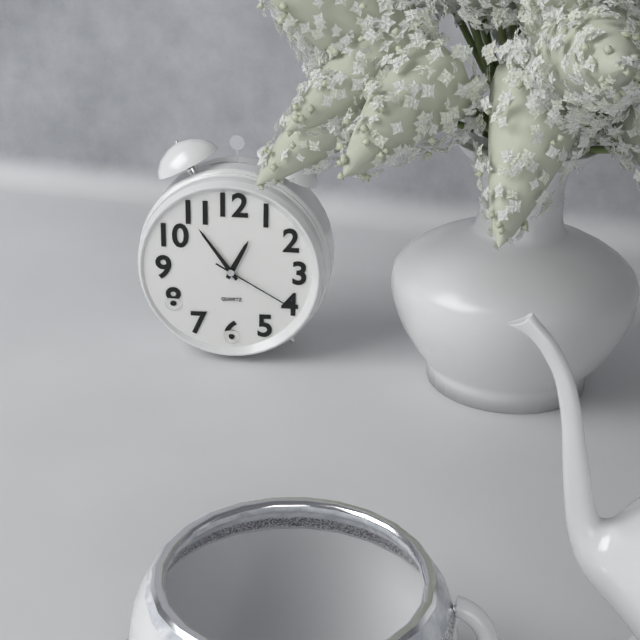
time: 12:54:20
